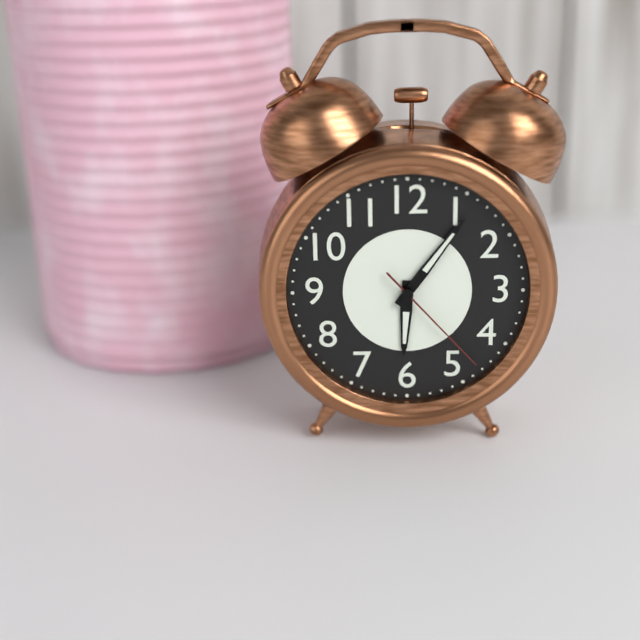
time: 6:06:23
